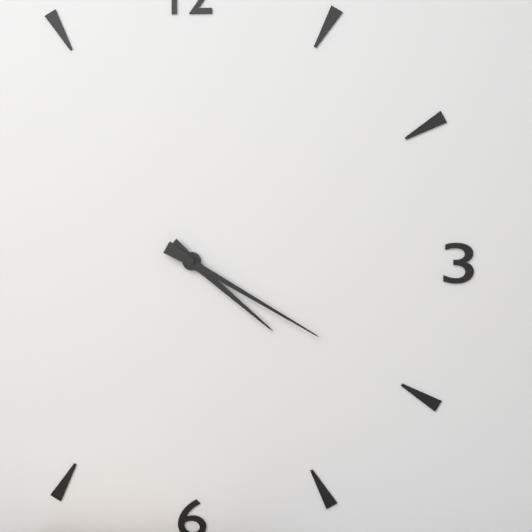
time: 4:20
